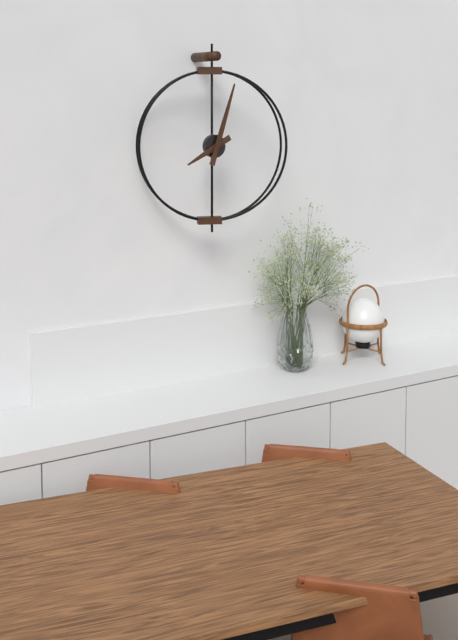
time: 8:03
